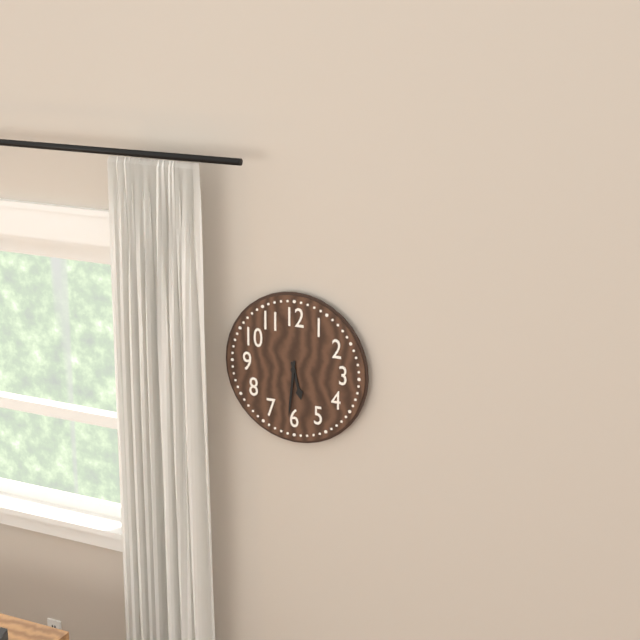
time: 5:31
